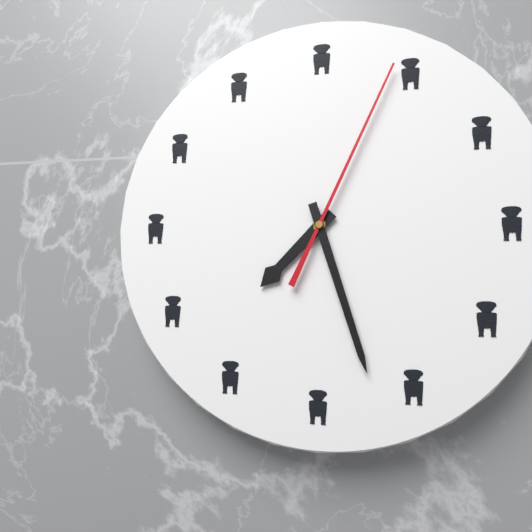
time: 7:27:04
